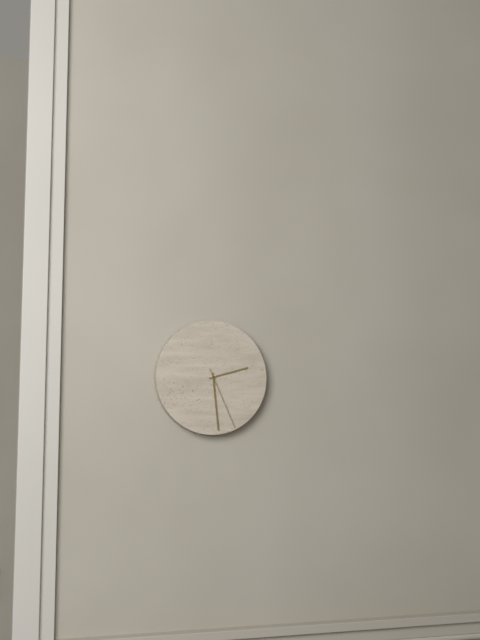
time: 2:29:26
